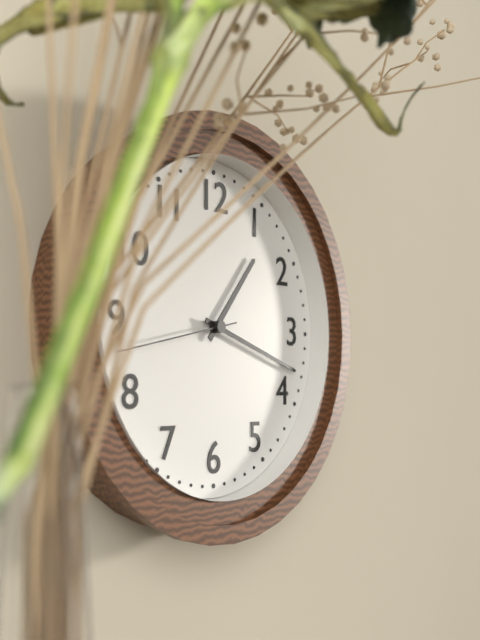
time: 1:18:43
